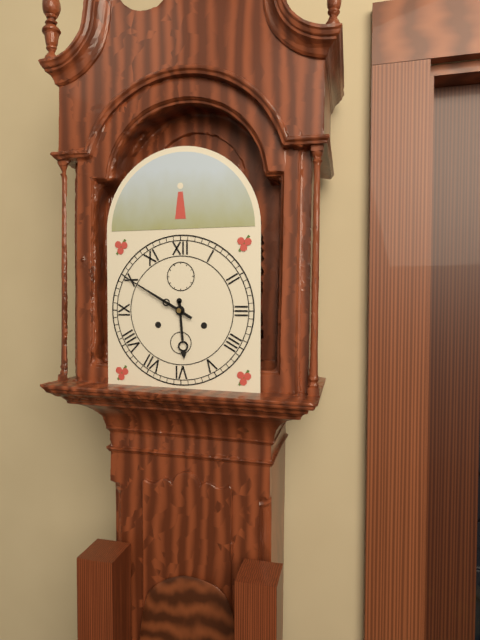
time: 5:50
